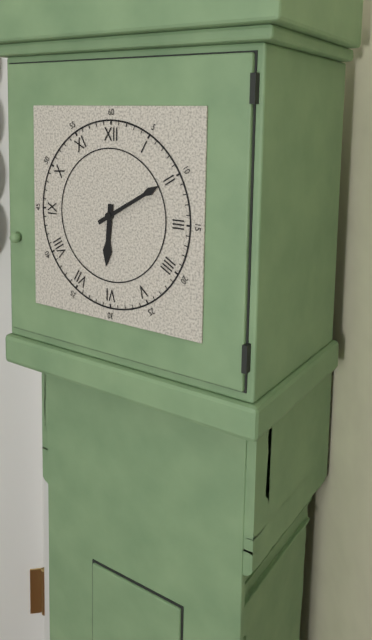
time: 6:10
